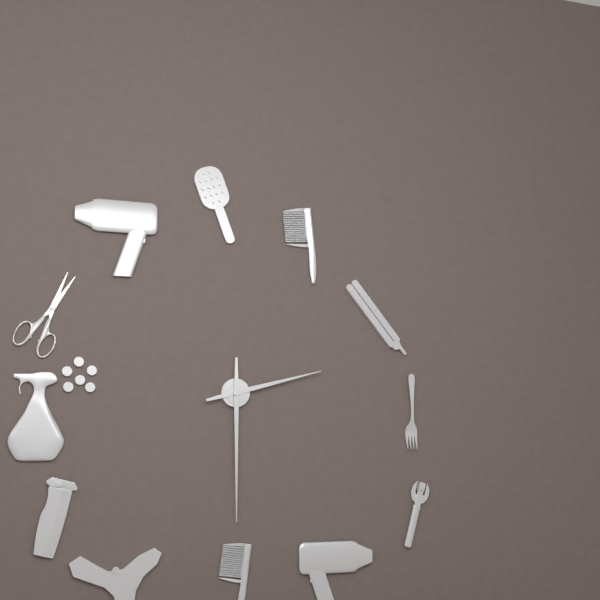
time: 2:30
